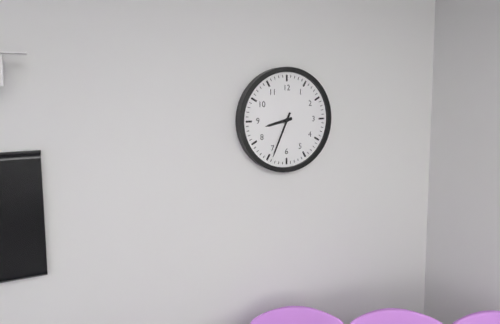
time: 8:34
